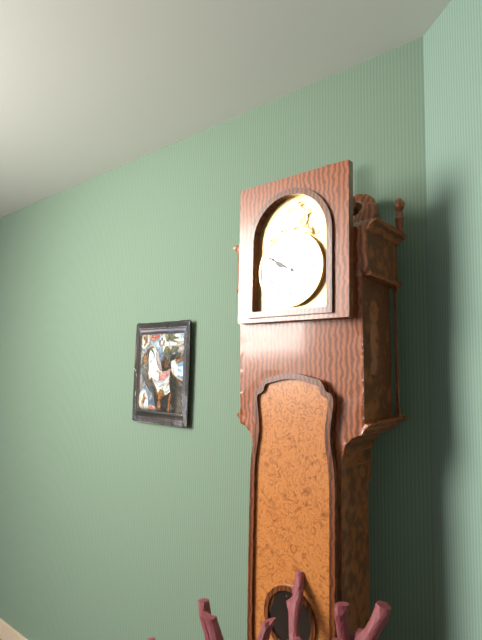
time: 9:50
